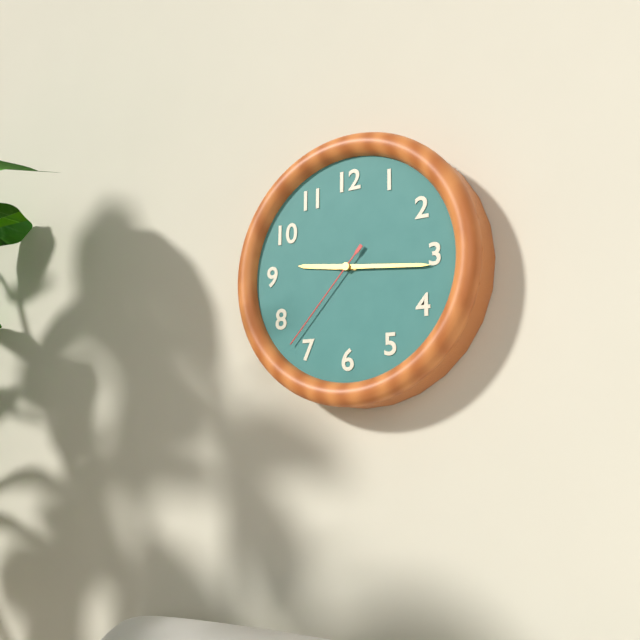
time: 9:16:37
